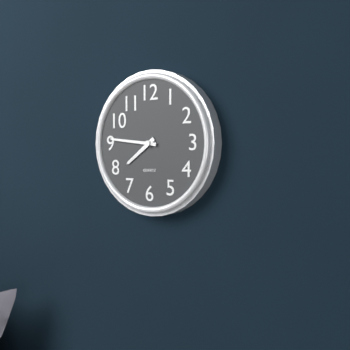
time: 7:46
